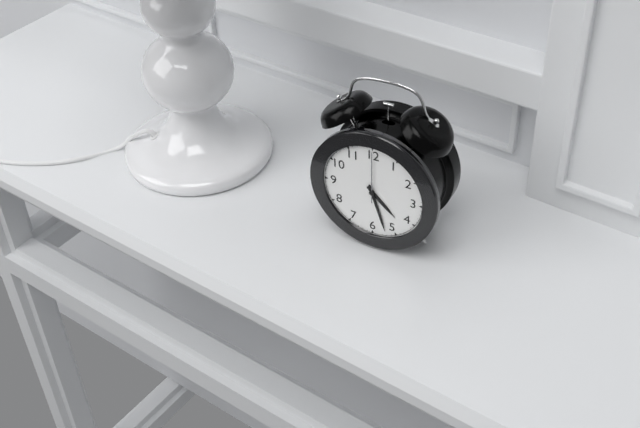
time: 4:27
